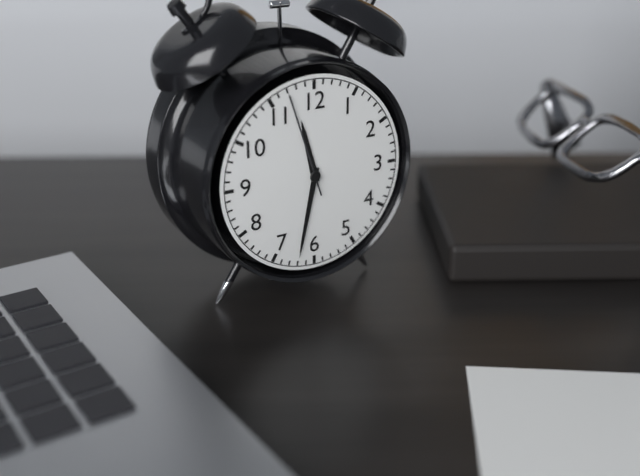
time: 11:32:57
